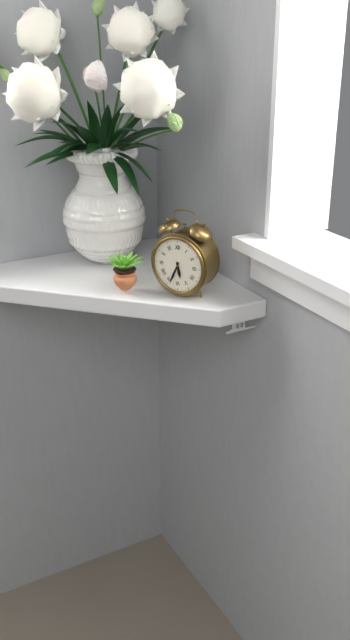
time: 5:34
